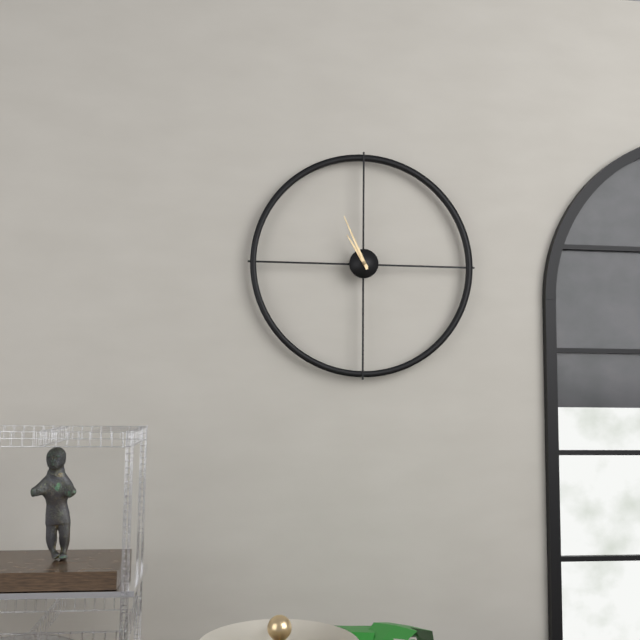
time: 10:56
